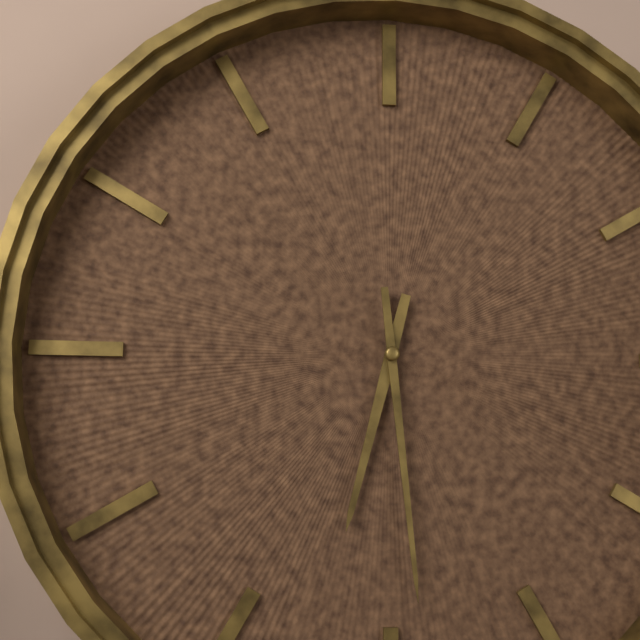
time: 6:29
